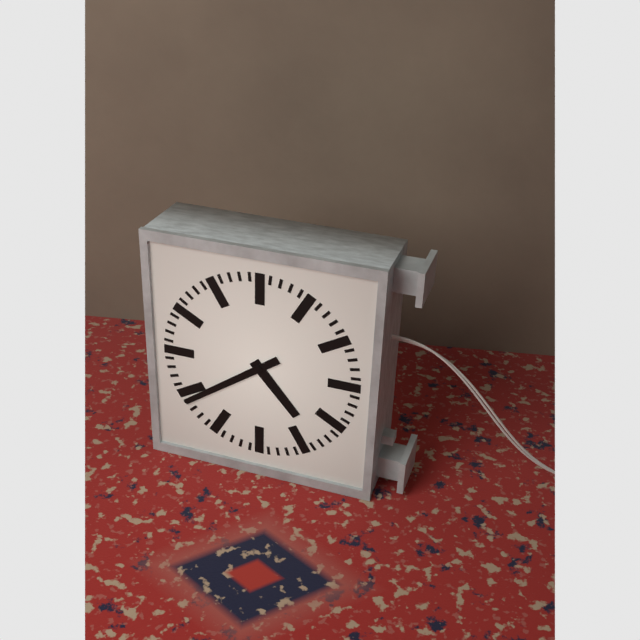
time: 4:39
